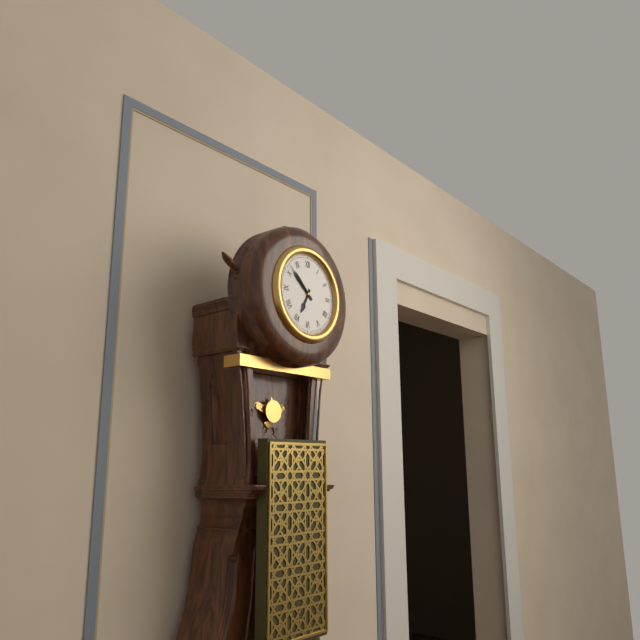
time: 6:52
